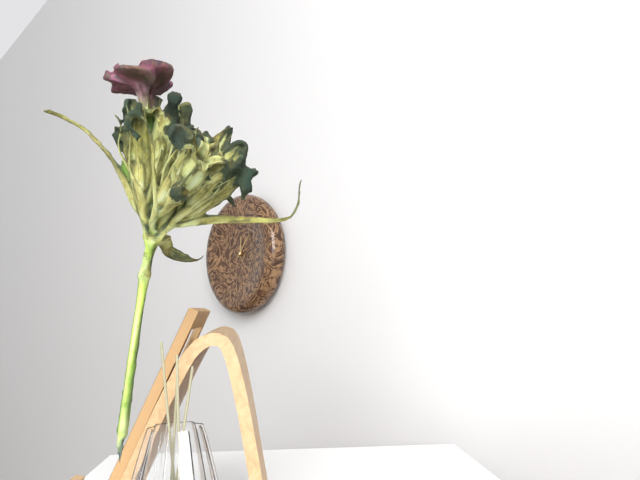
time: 12:07
